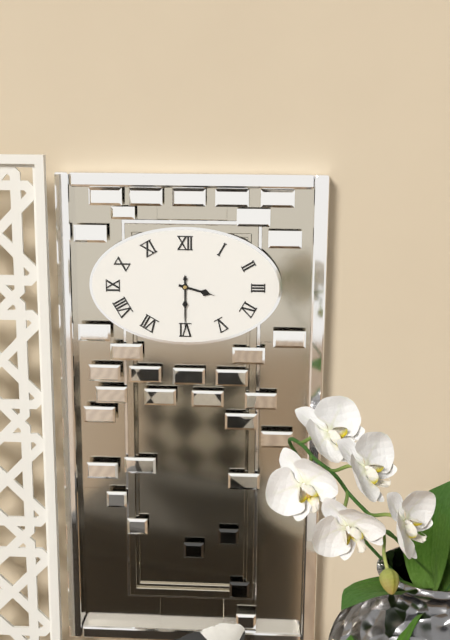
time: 3:30
